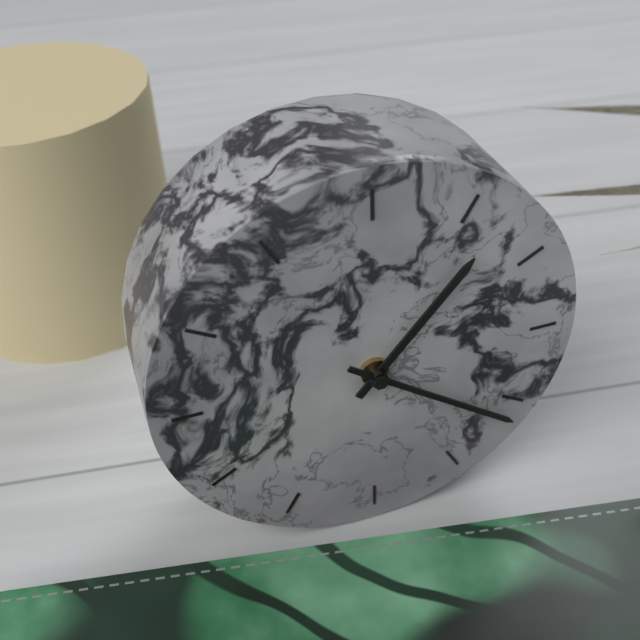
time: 1:21
